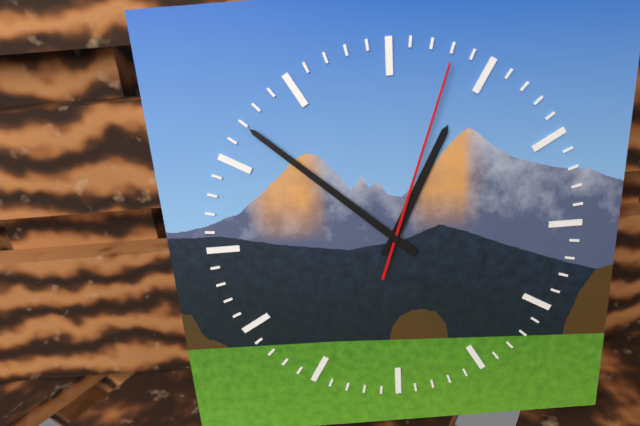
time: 12:52:03
